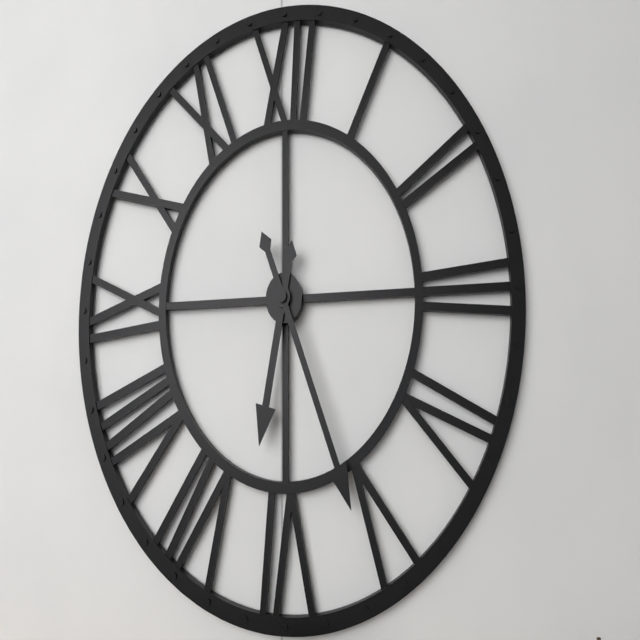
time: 6:26
